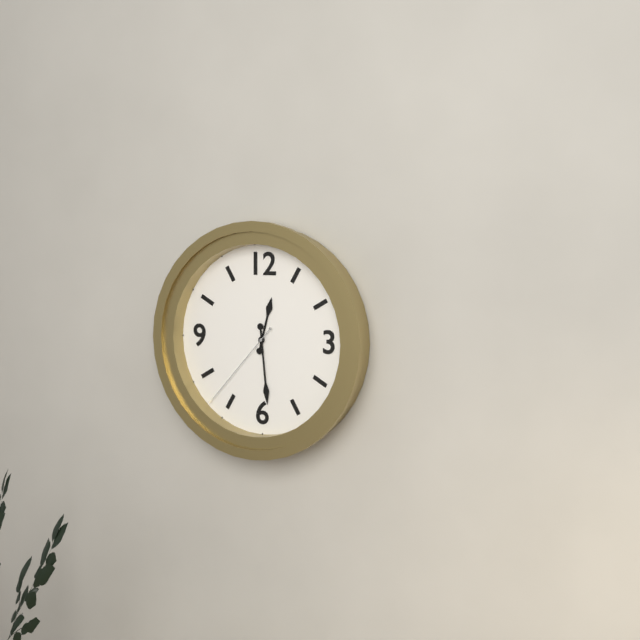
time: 12:29:37
